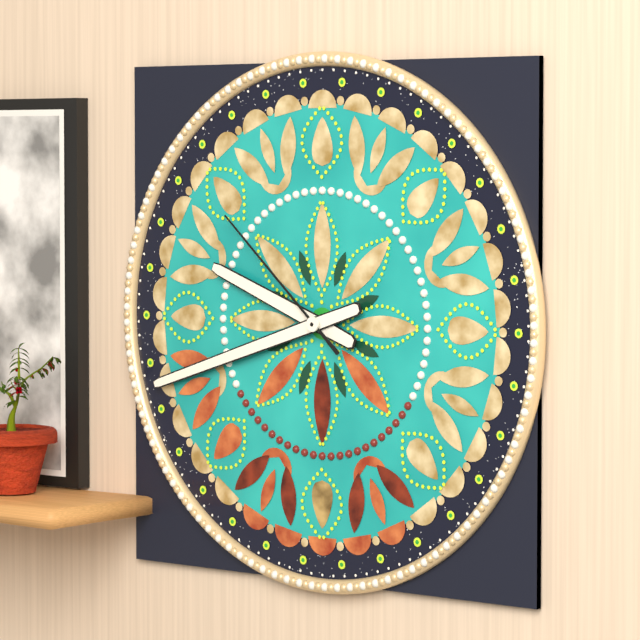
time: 9:42:52
